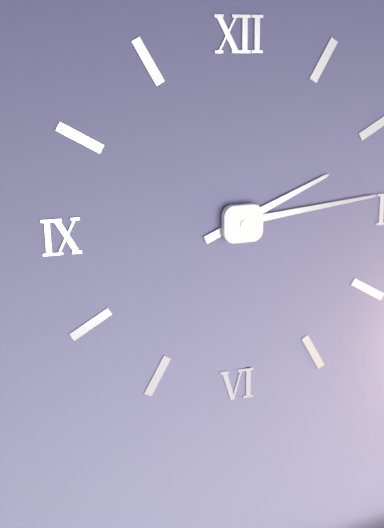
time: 2:14
